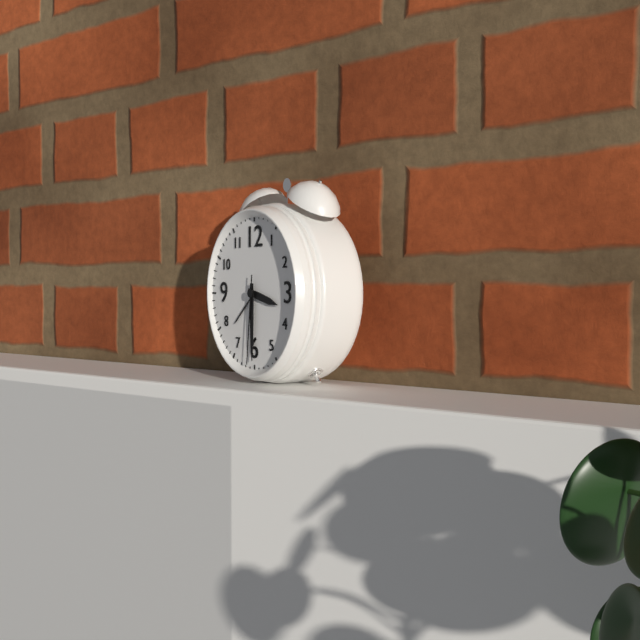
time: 3:30:31
